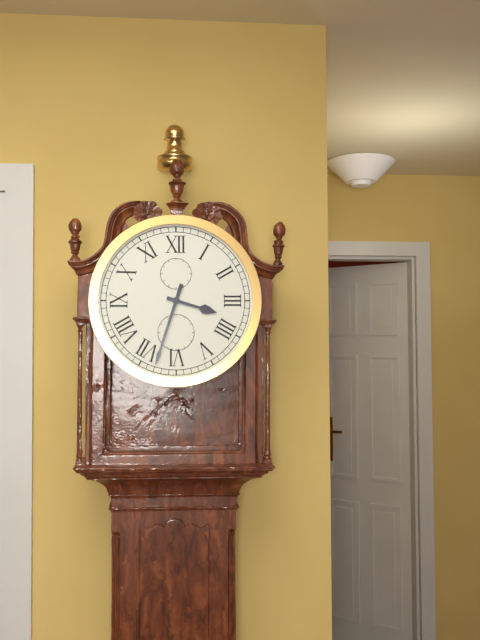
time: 3:33
